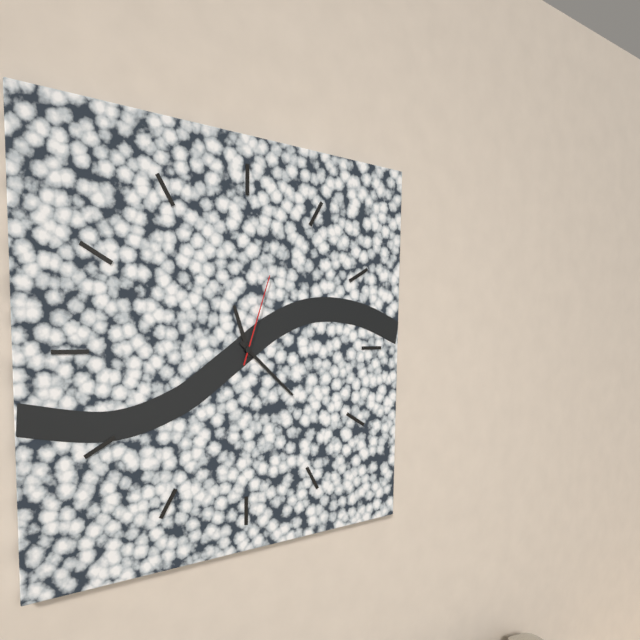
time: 11:22:03
